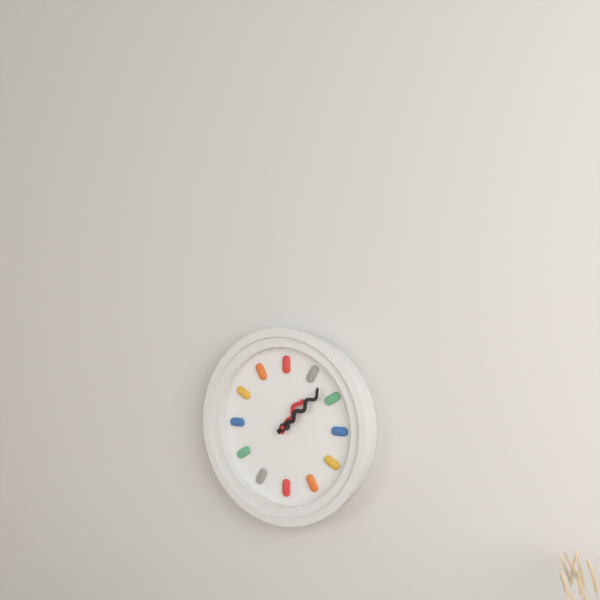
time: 1:08
